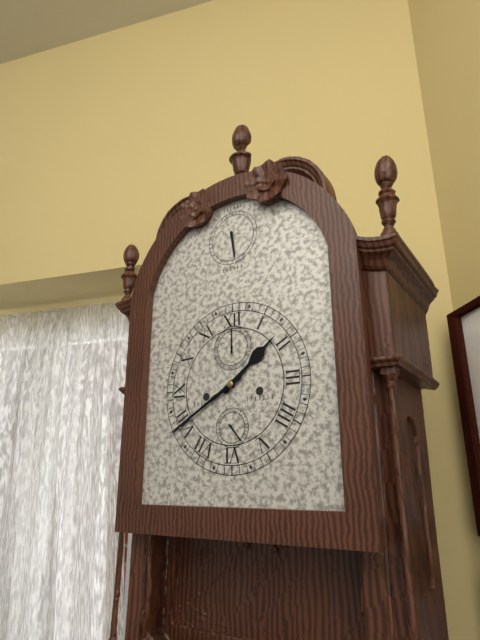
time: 1:40
